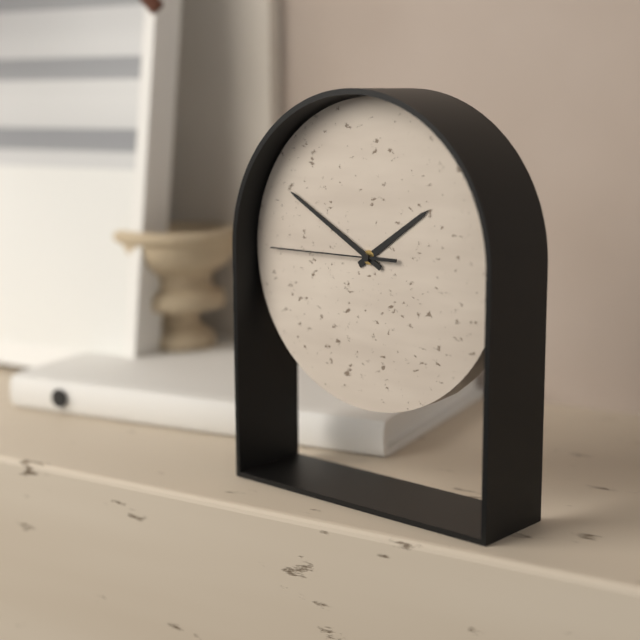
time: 1:50:45
